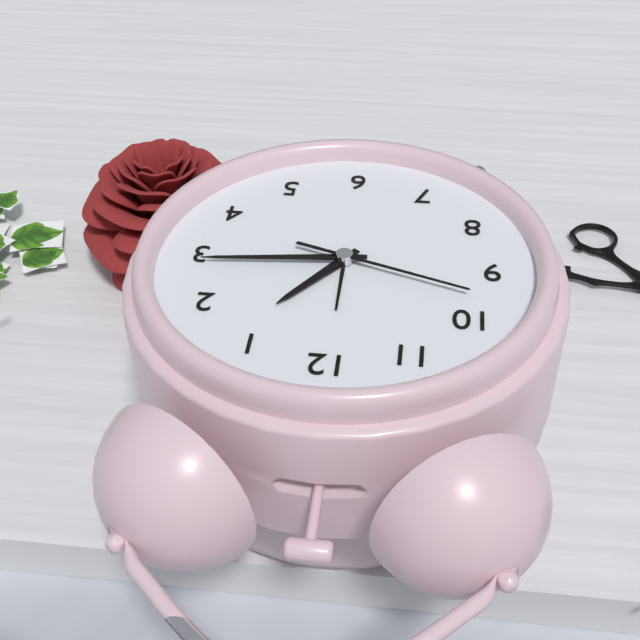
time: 1:14:48
